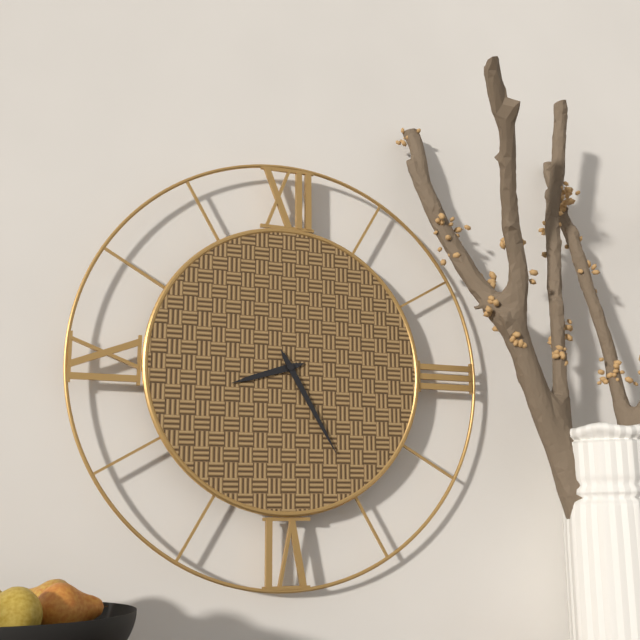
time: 8:25
